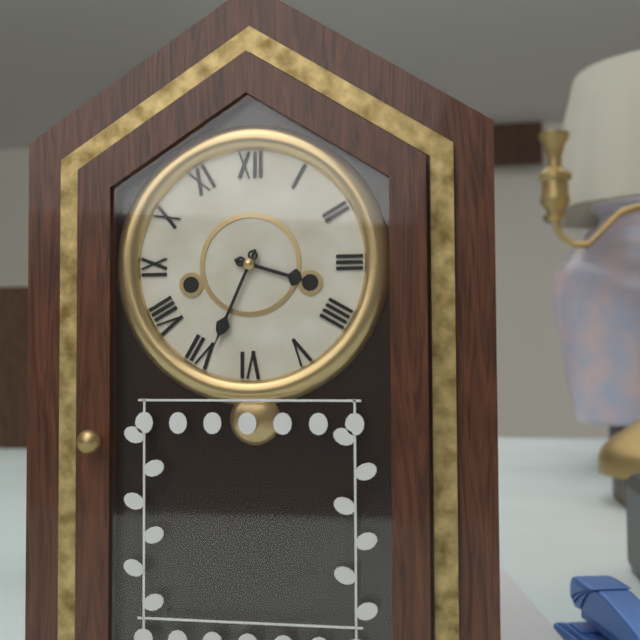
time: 3:34
